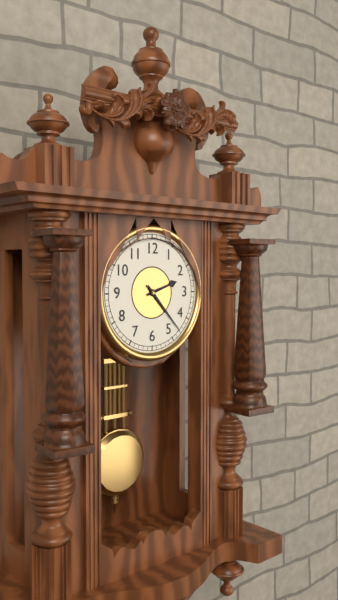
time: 2:23
